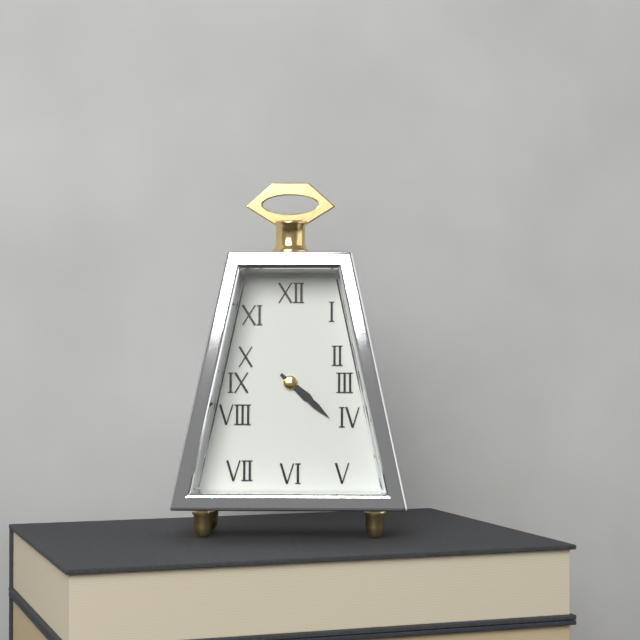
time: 4:22
